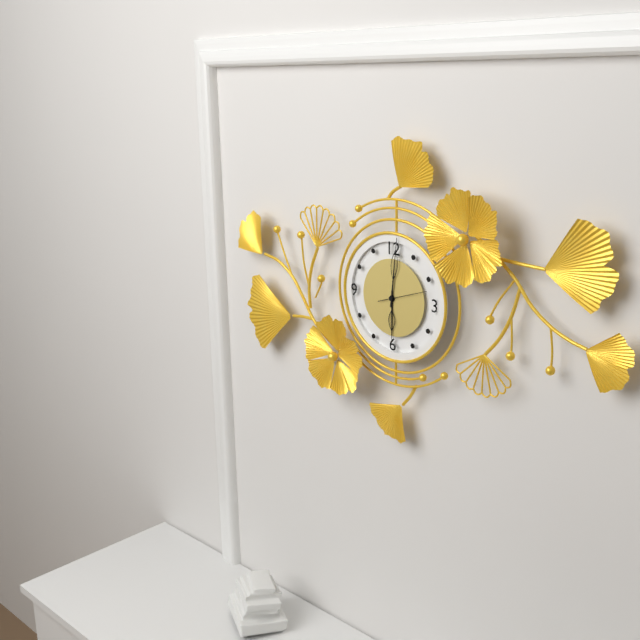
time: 6:01
